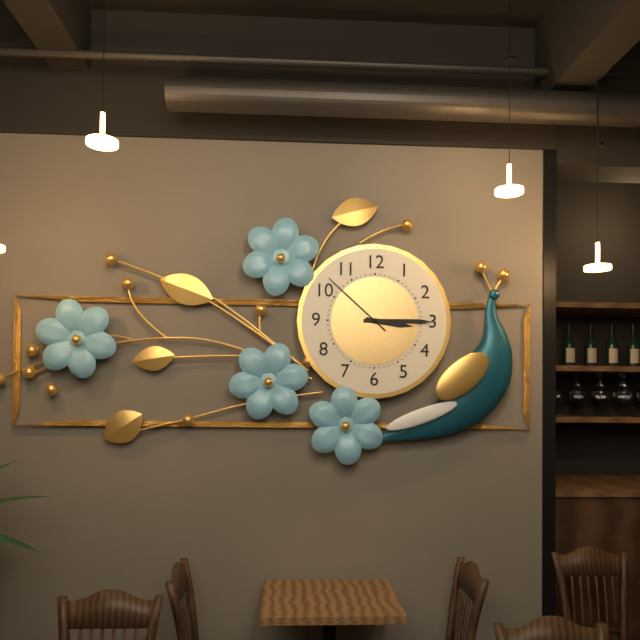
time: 3:15:52
